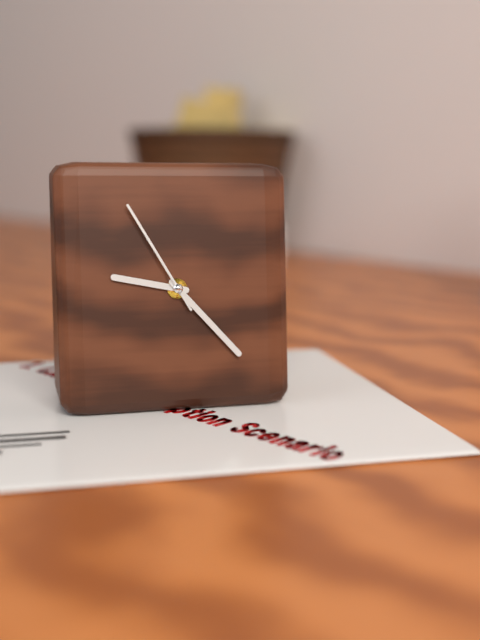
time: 9:23:55
